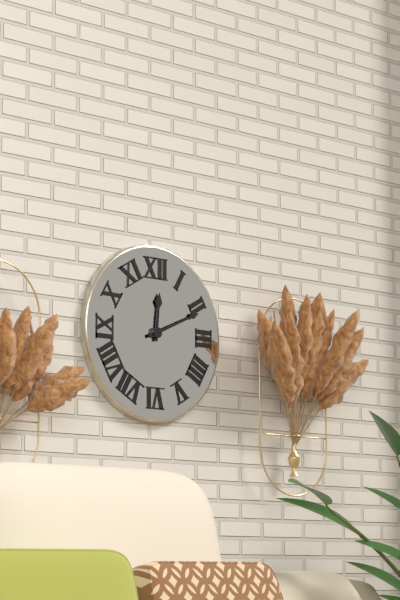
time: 12:11
